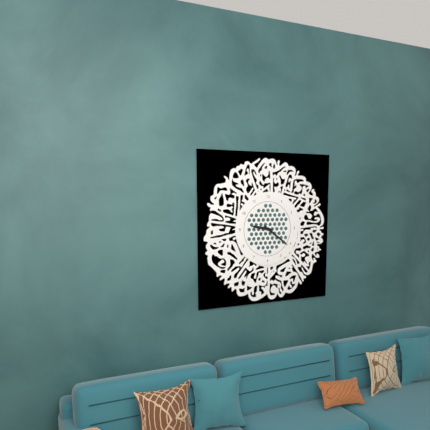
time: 9:21
